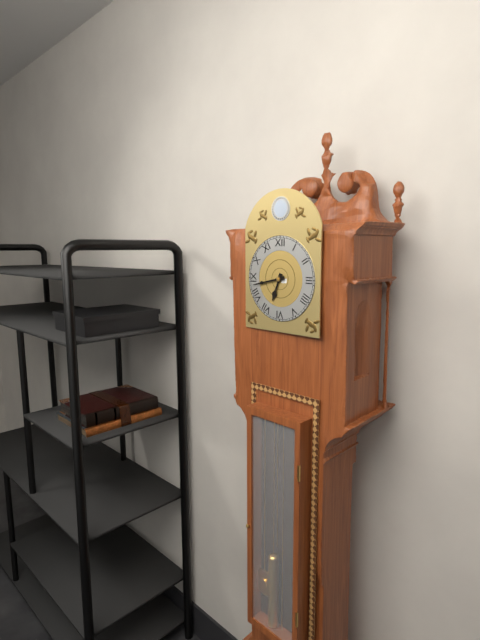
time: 6:43
